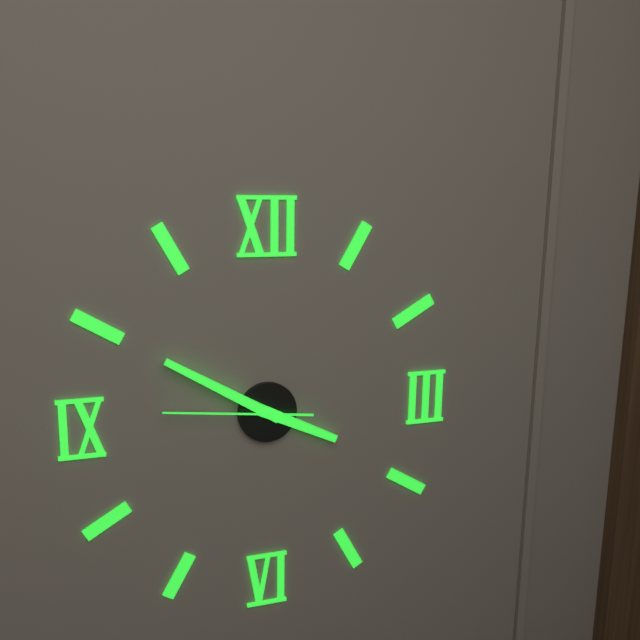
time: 3:50:46
